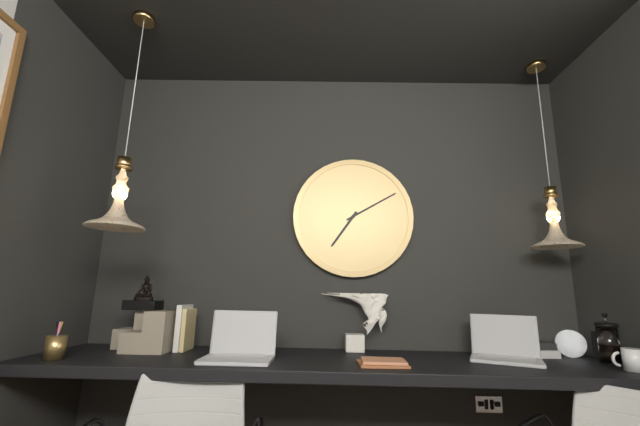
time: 7:10
